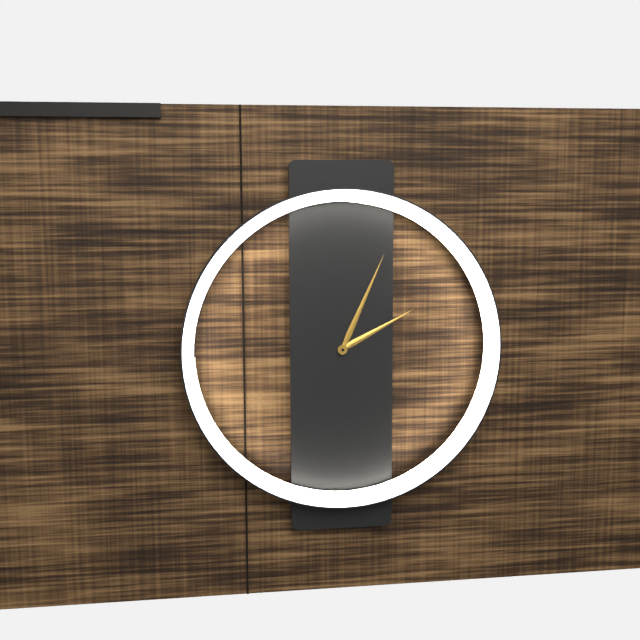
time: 2:04
